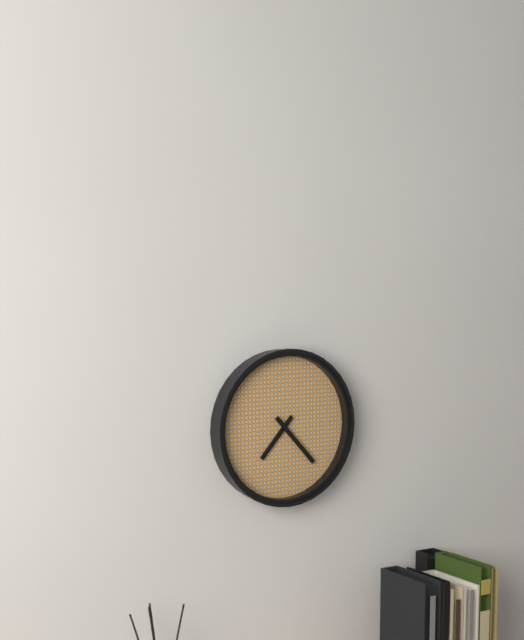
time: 7:23
